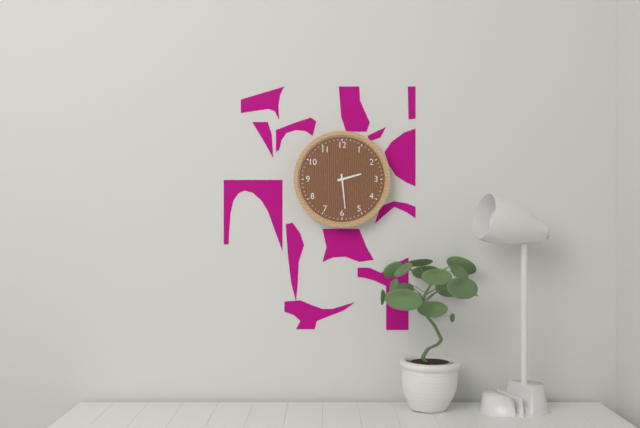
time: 2:29
